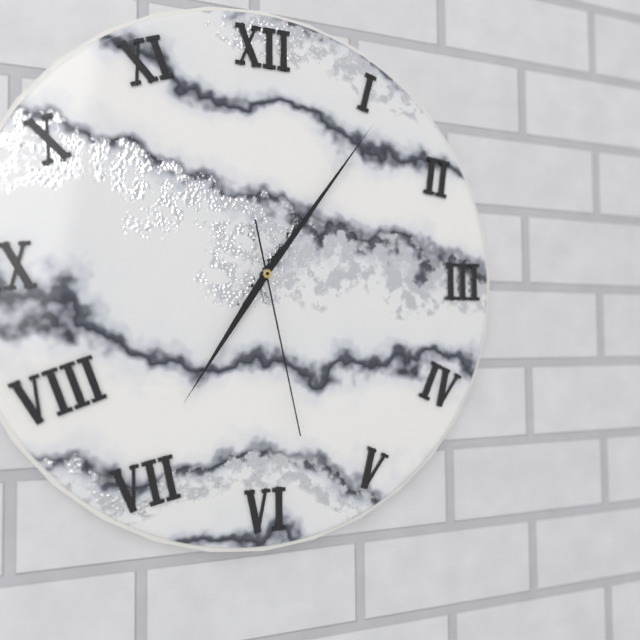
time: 7:06:28
